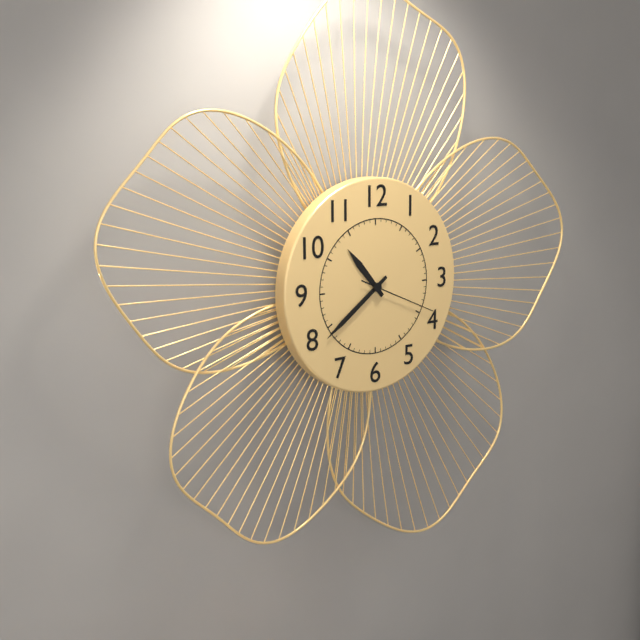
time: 10:39:19
